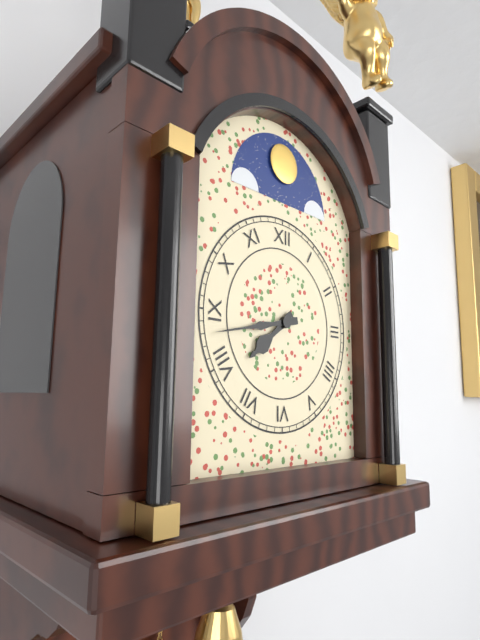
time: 7:43
